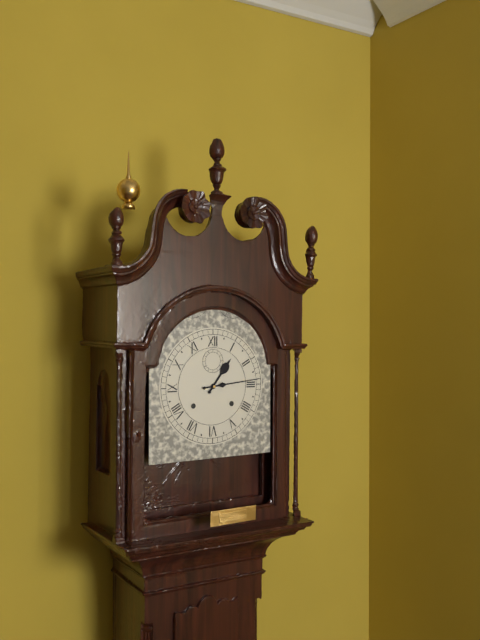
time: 1:14
